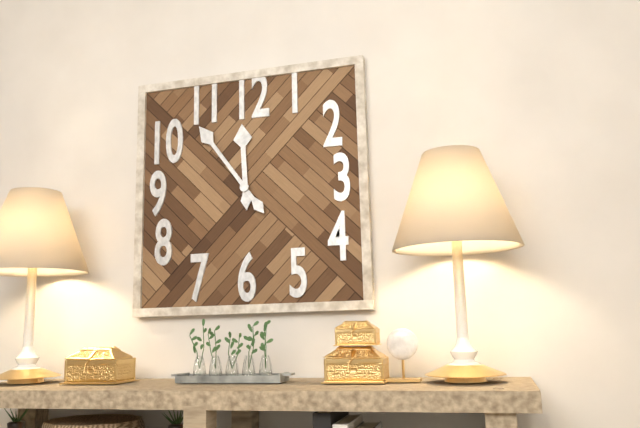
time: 11:54
